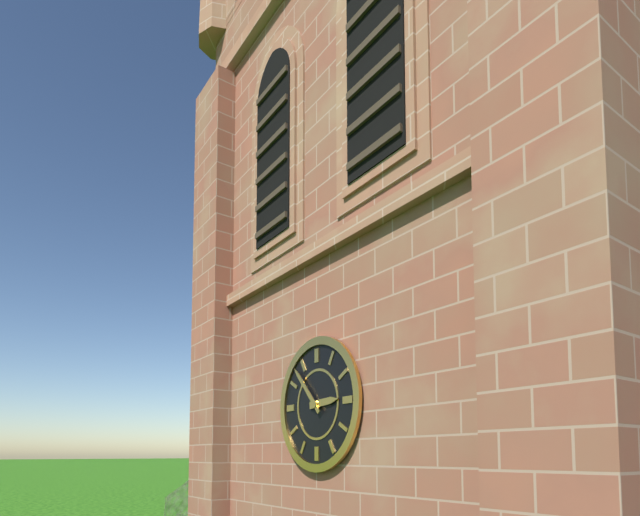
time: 2:53
